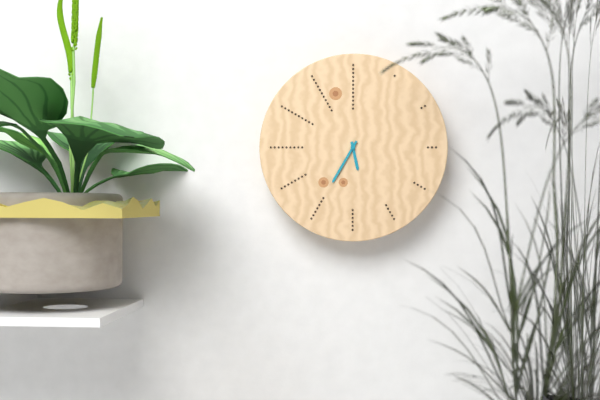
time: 5:35
